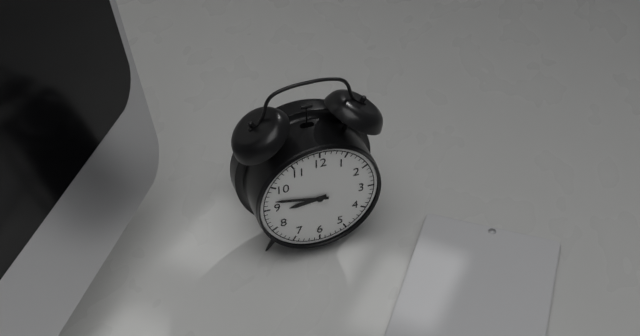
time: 8:47
